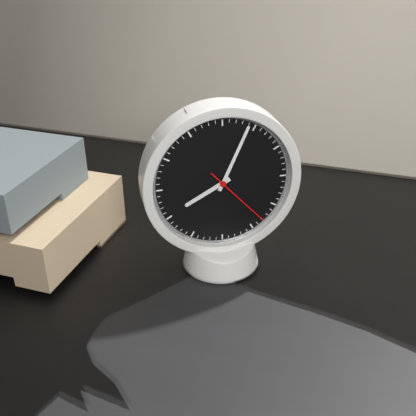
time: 8:04:23
